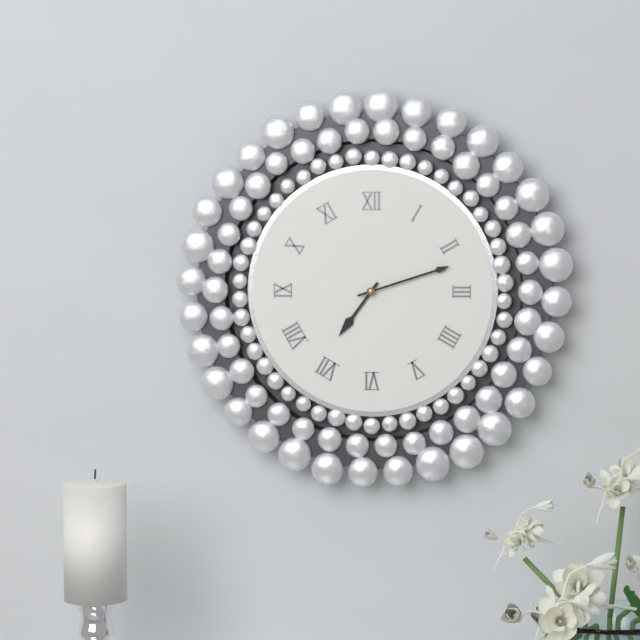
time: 7:12
